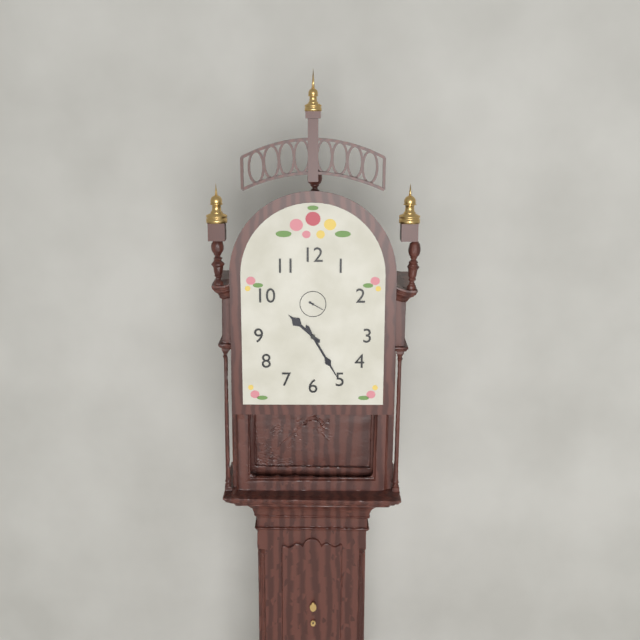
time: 10:25
